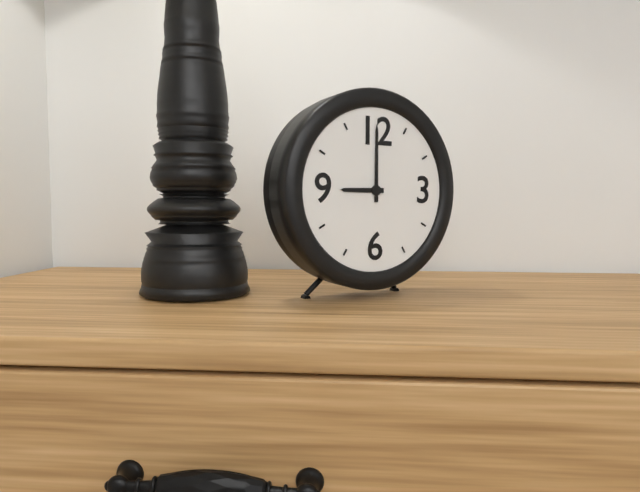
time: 9:00
